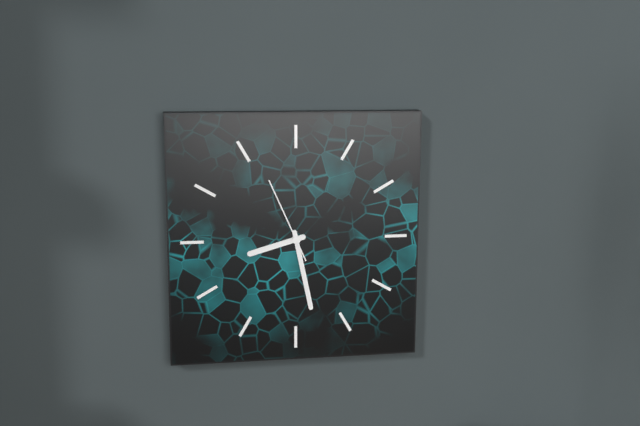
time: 8:28:56
